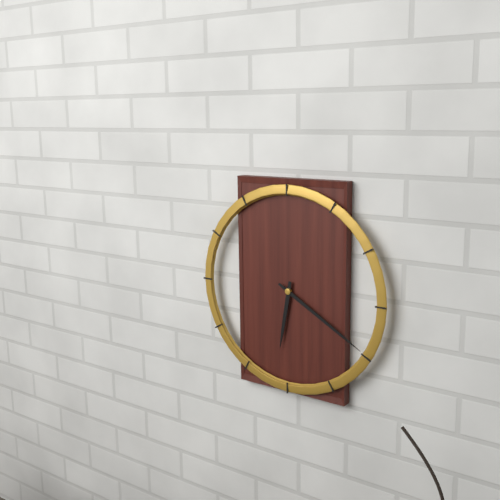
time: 6:20
